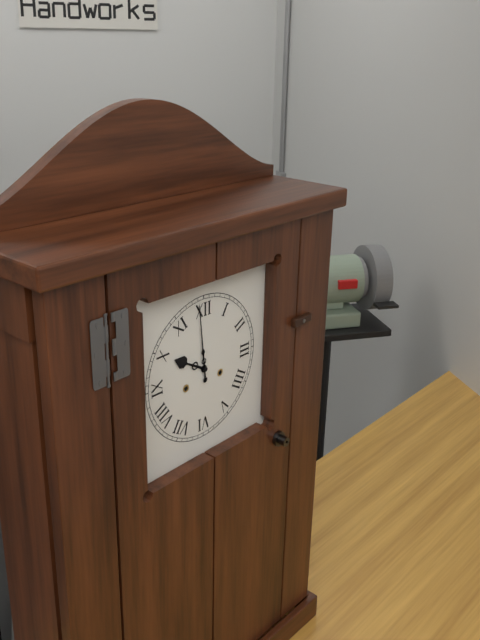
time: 9:59
